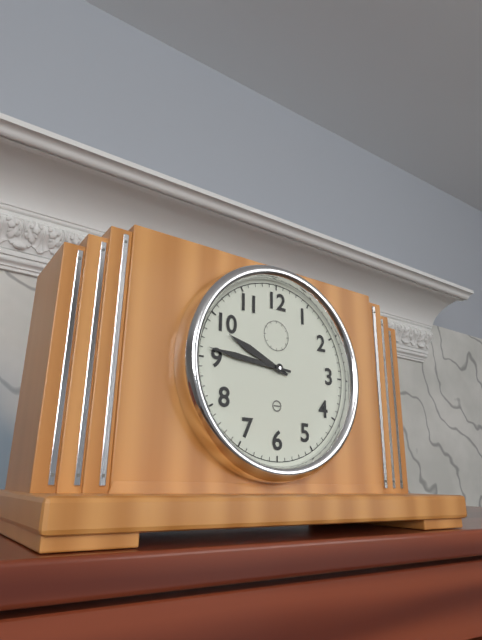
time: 9:46
